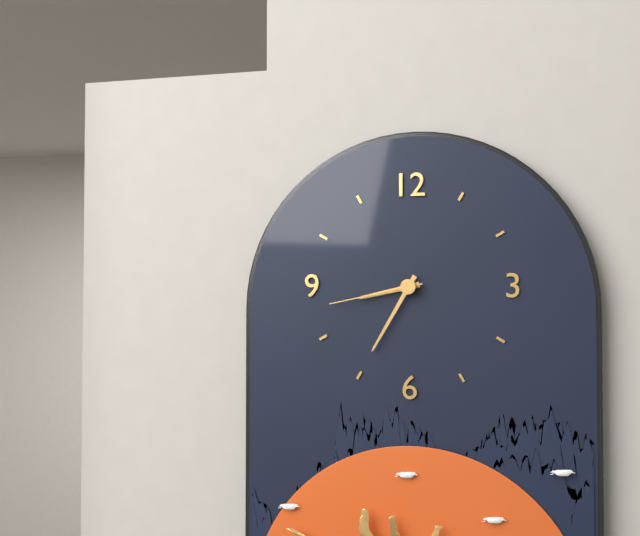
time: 8:35:43
